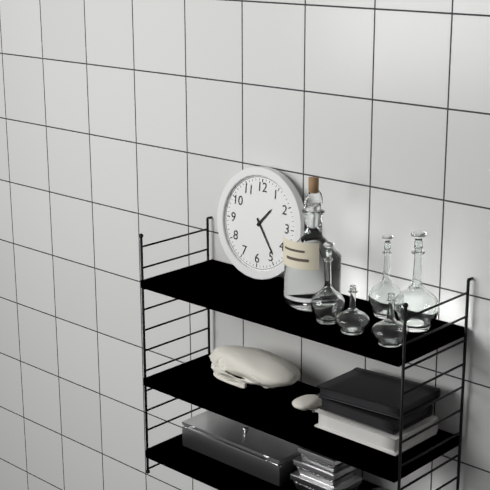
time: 1:24
